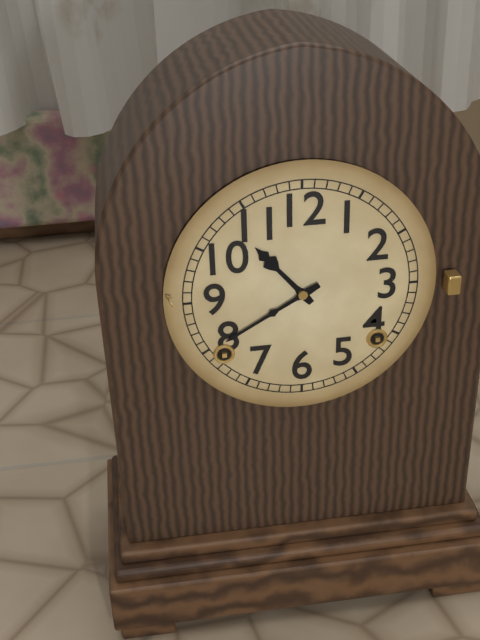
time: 10:40
